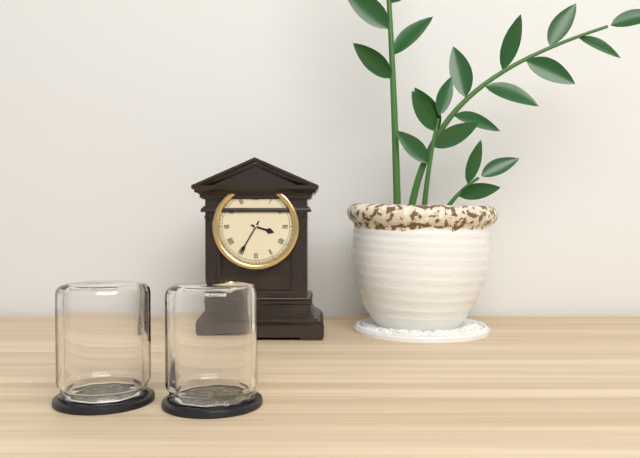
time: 3:35
